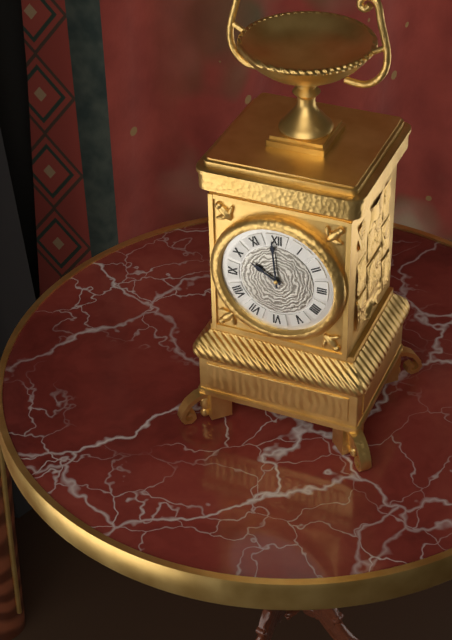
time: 9:59
